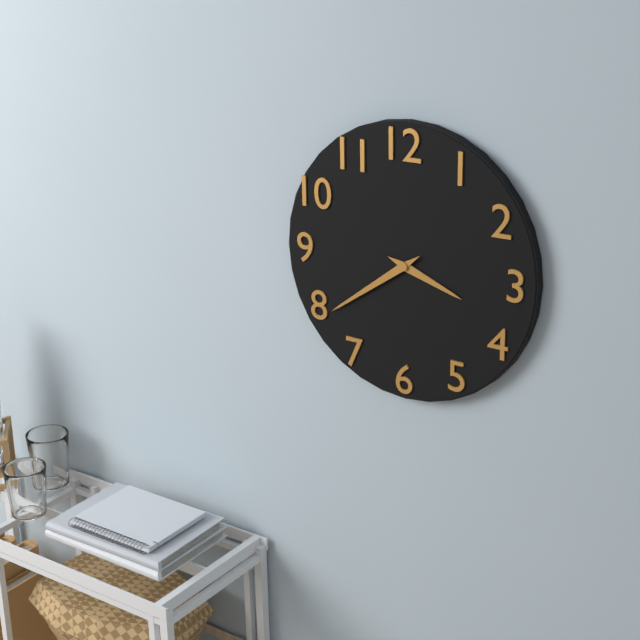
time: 3:39
